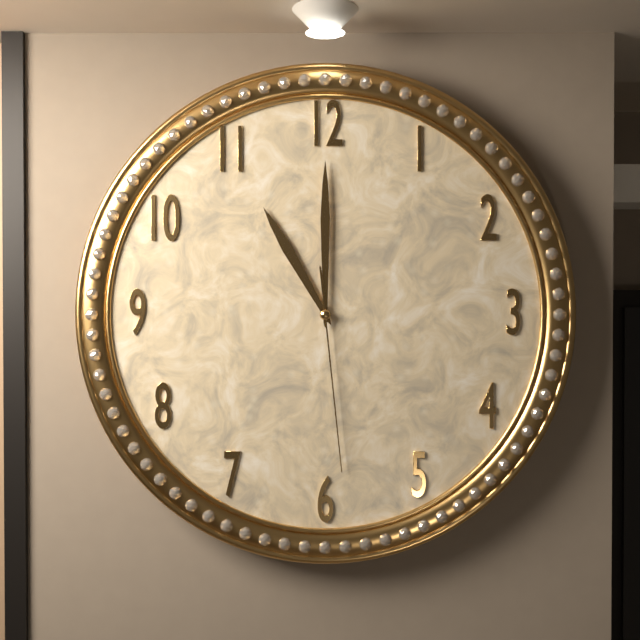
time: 11:00:29
